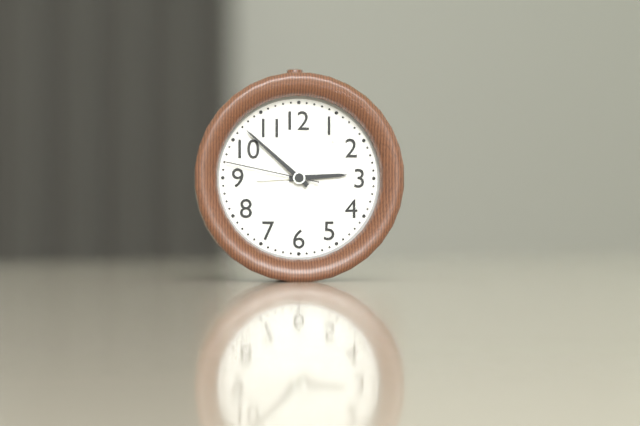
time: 2:52:47
